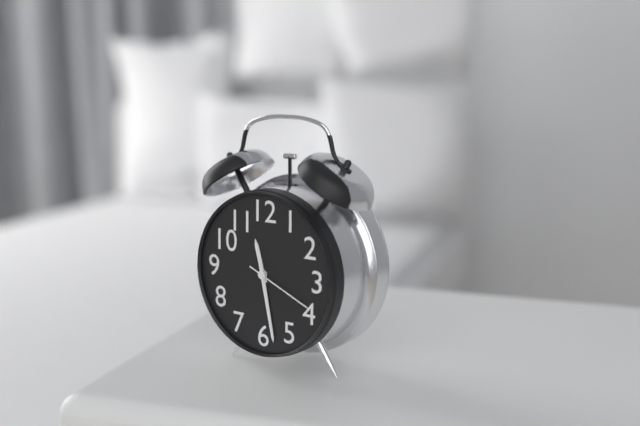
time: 11:28:19
